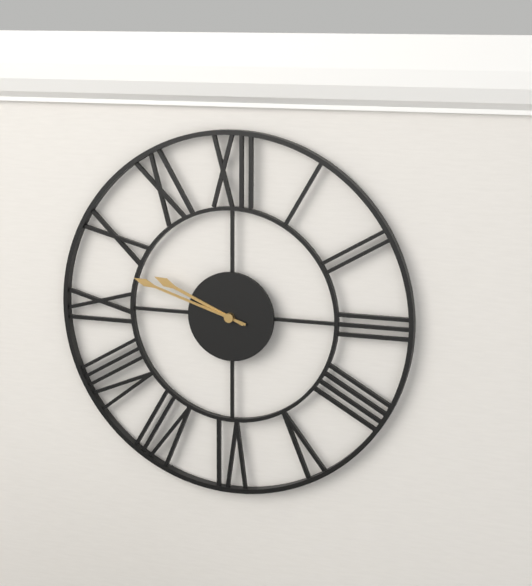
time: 9:48
